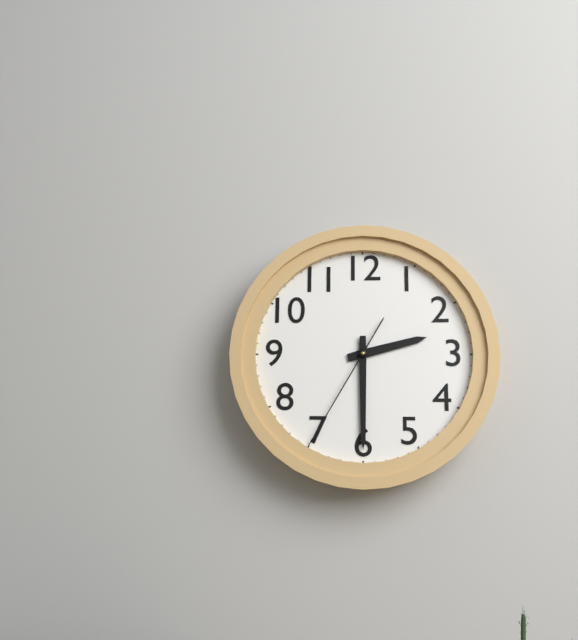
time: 2:30:35
